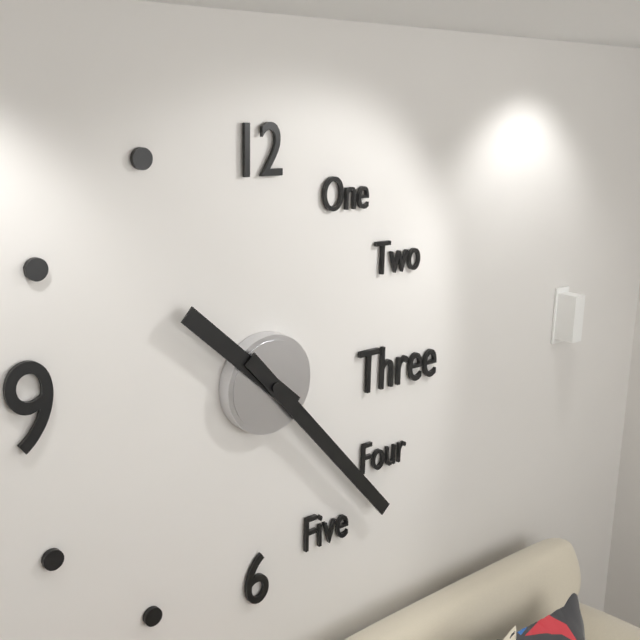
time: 10:23
